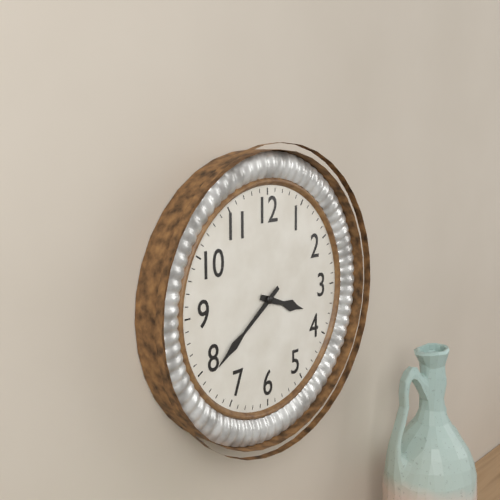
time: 3:39
